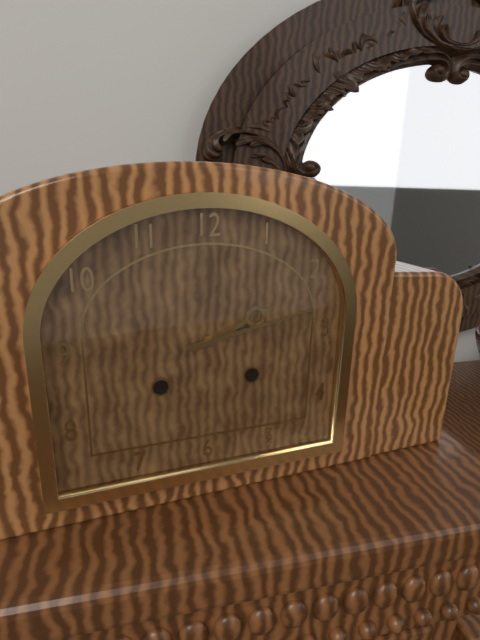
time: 2:13
